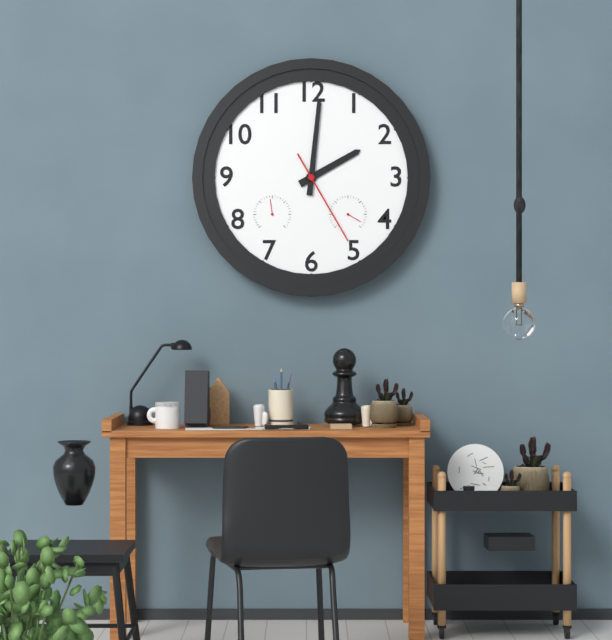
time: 2:01:25
